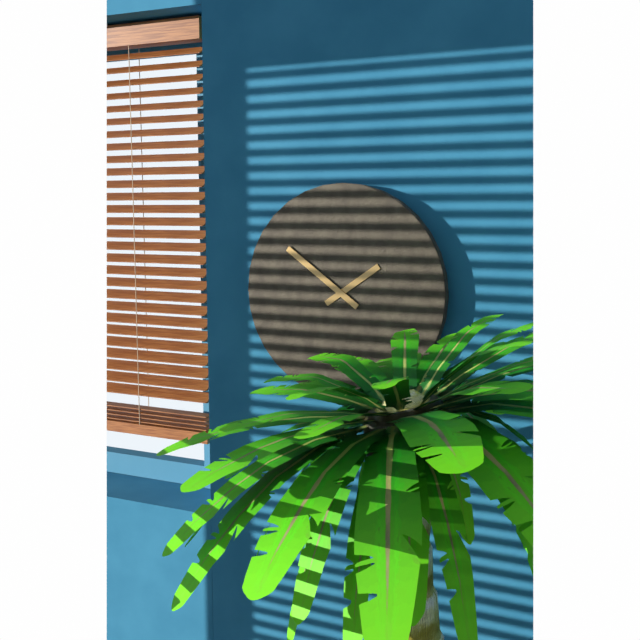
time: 1:51
